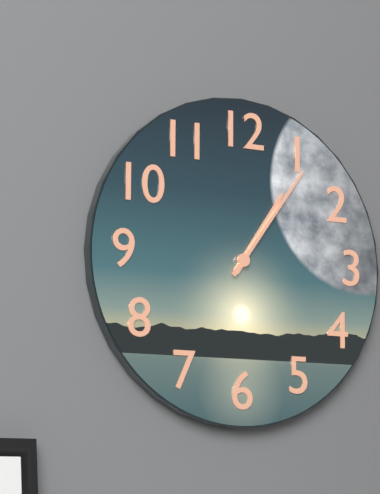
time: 1:06
